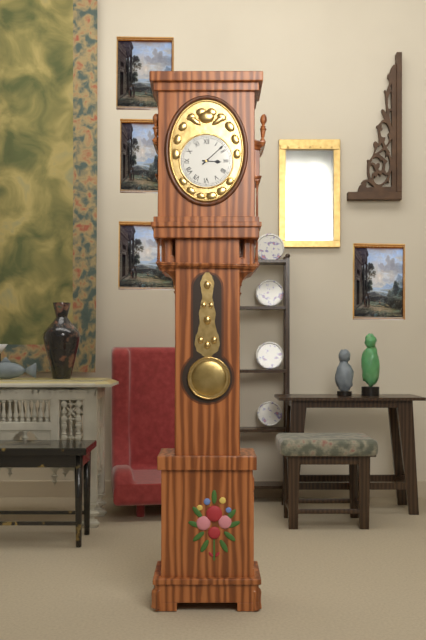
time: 3:08
